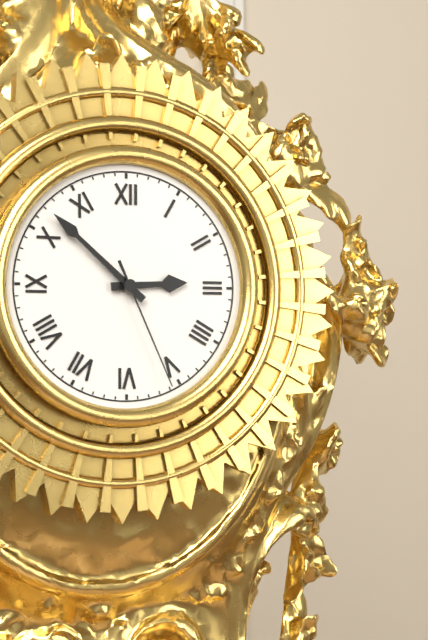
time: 2:52:26
